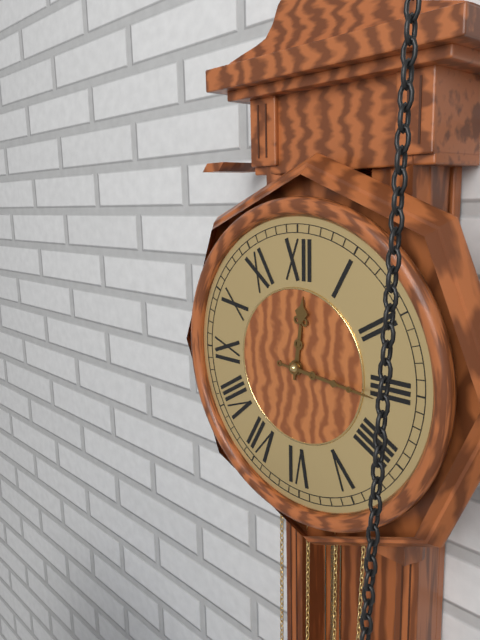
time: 12:16
